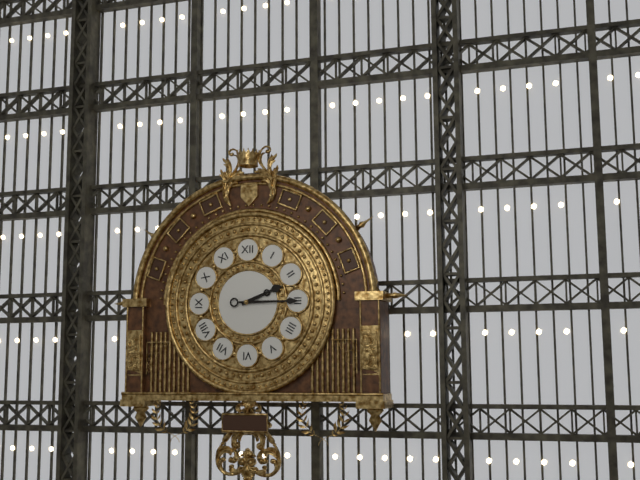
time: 2:15
